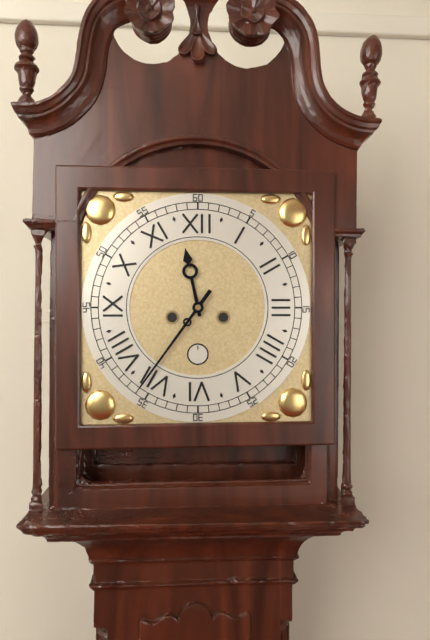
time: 11:36
